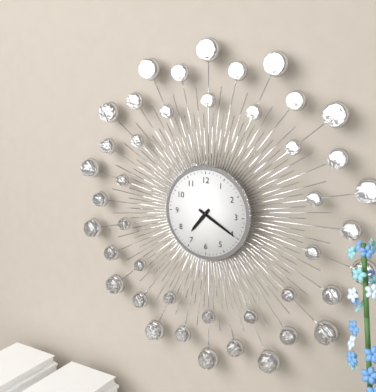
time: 7:20
